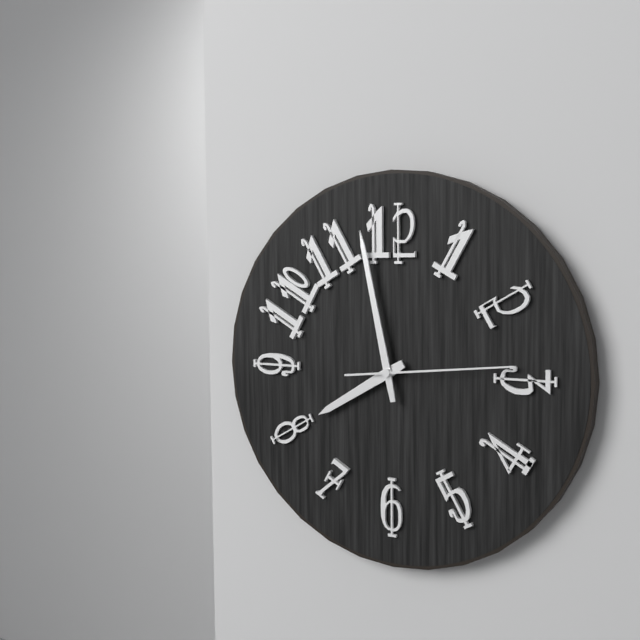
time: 7:58:14
